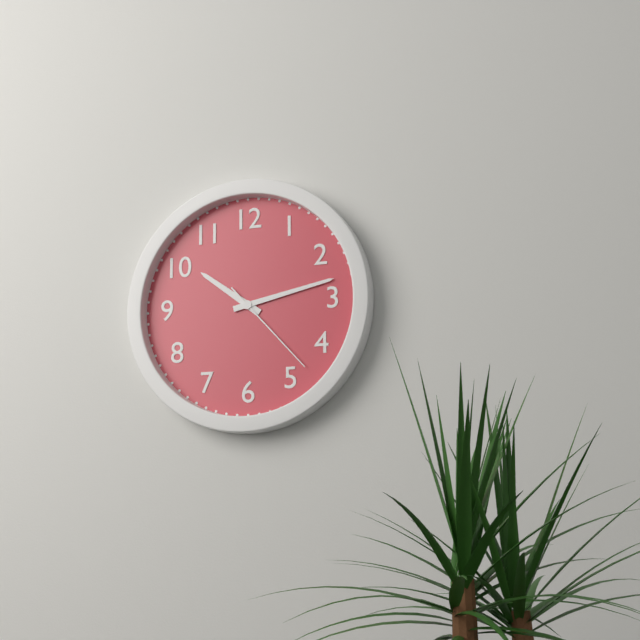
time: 10:13:23
